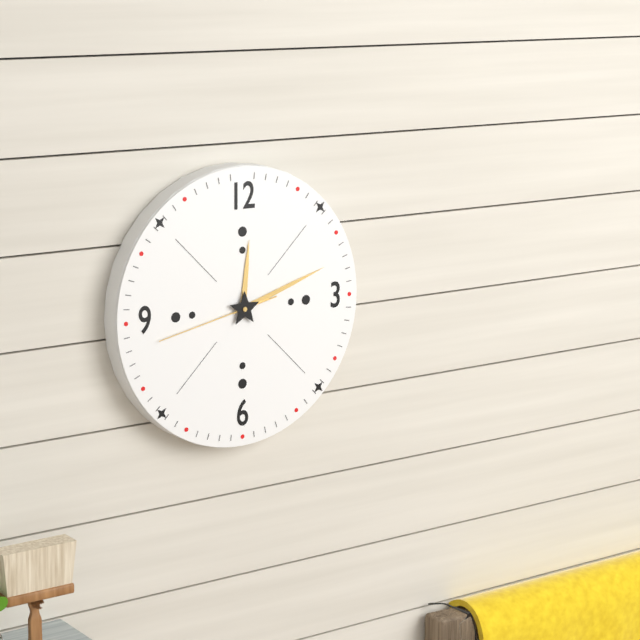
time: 12:12:43
